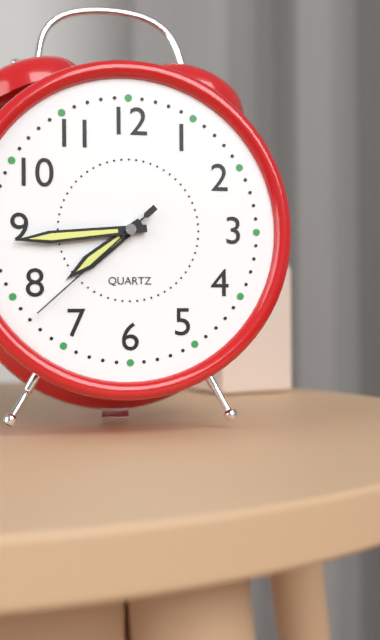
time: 7:44:38
